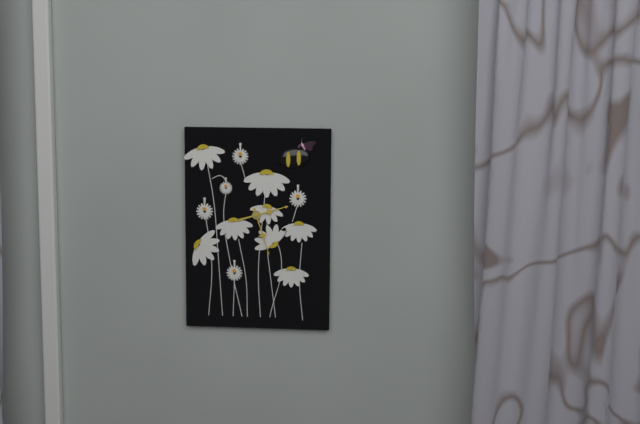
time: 2:27
